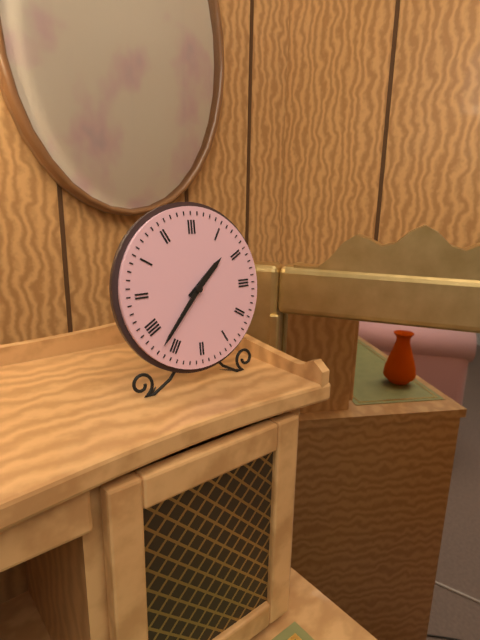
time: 1:37
